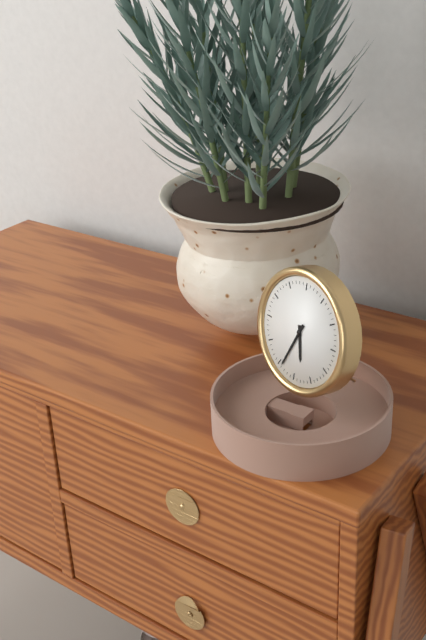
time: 5:34
